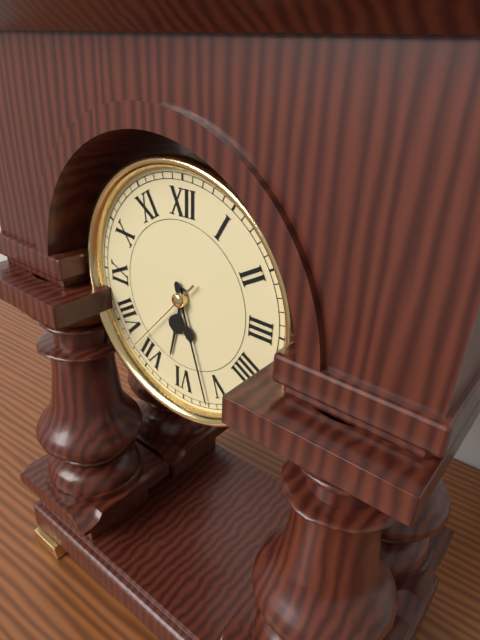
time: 6:27:37
